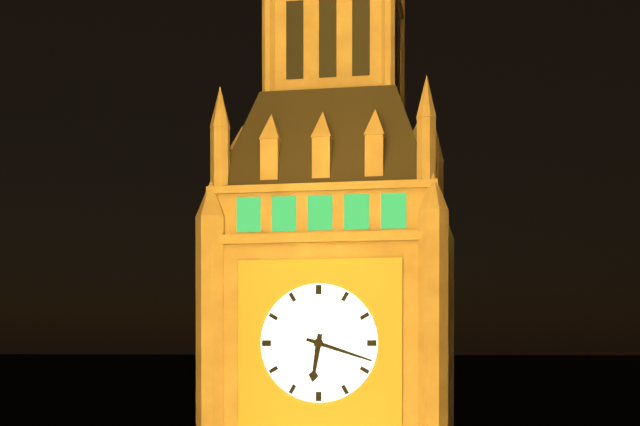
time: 6:18
